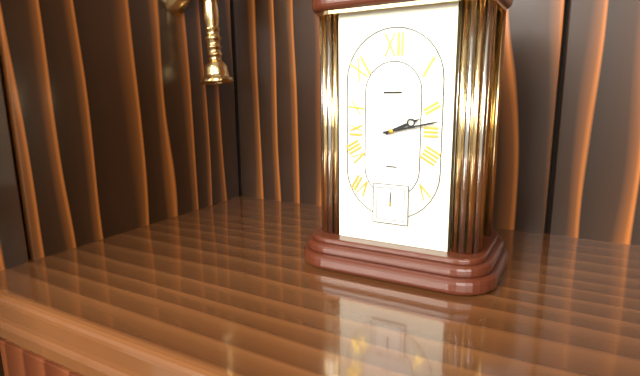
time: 2:13
